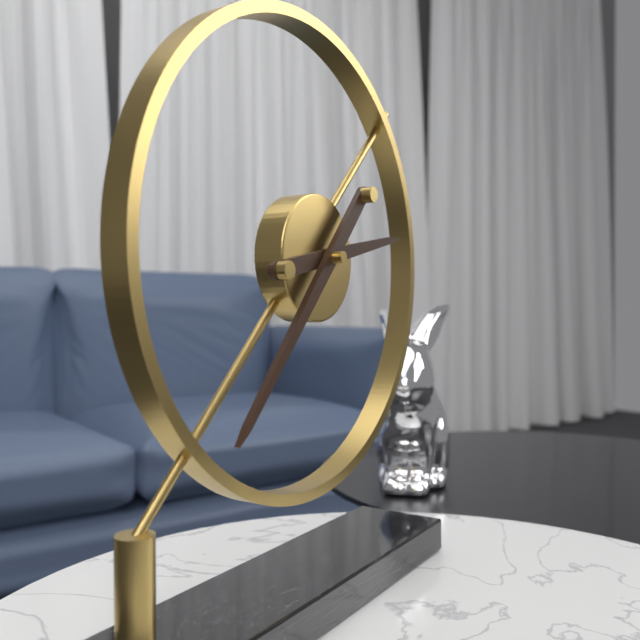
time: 2:37
